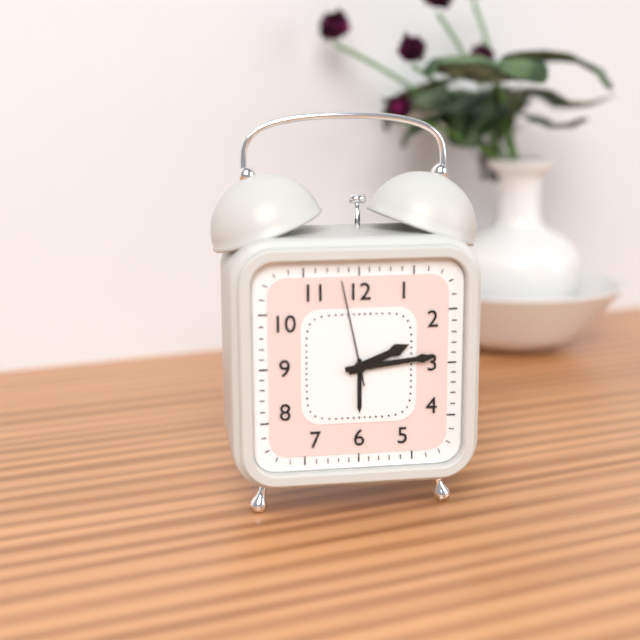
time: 2:14:58
